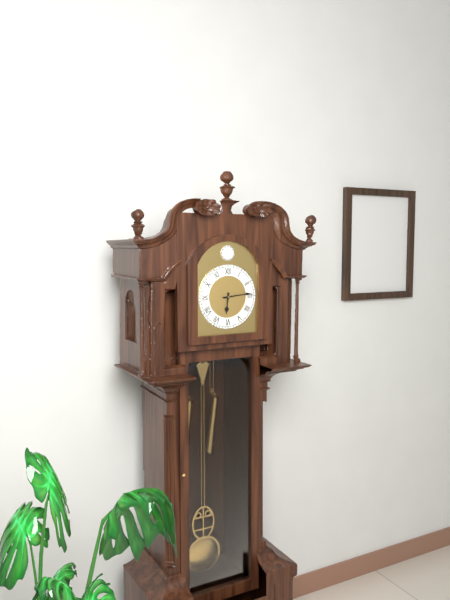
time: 6:14
